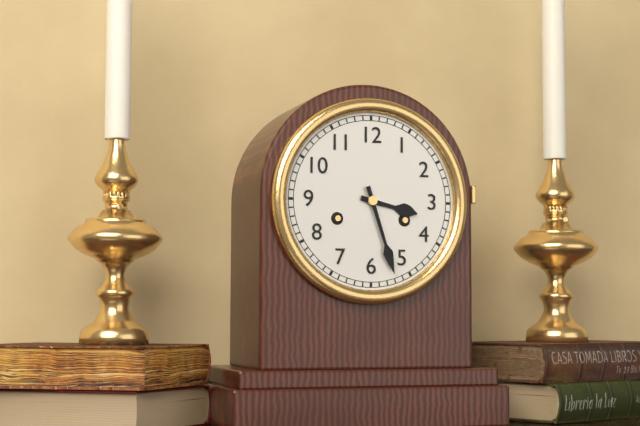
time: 3:27
